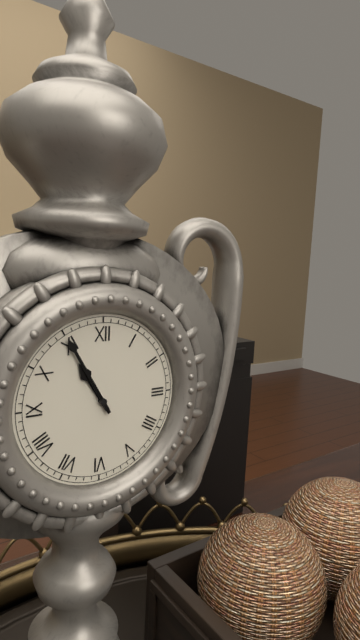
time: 10:55
